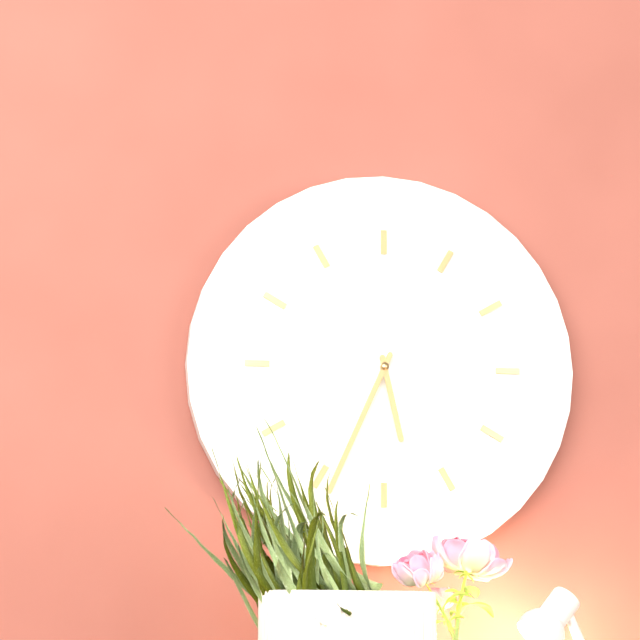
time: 5:34
